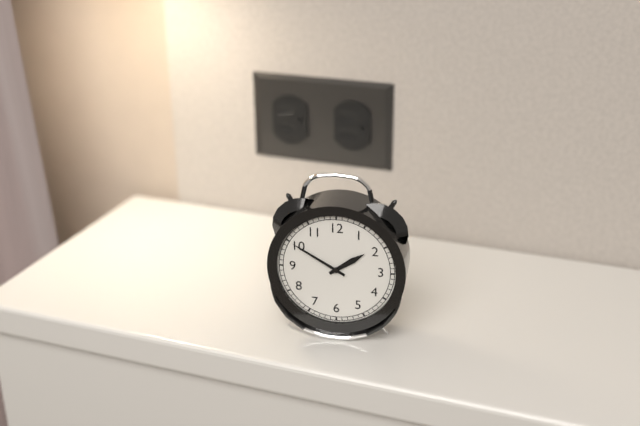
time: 1:50
